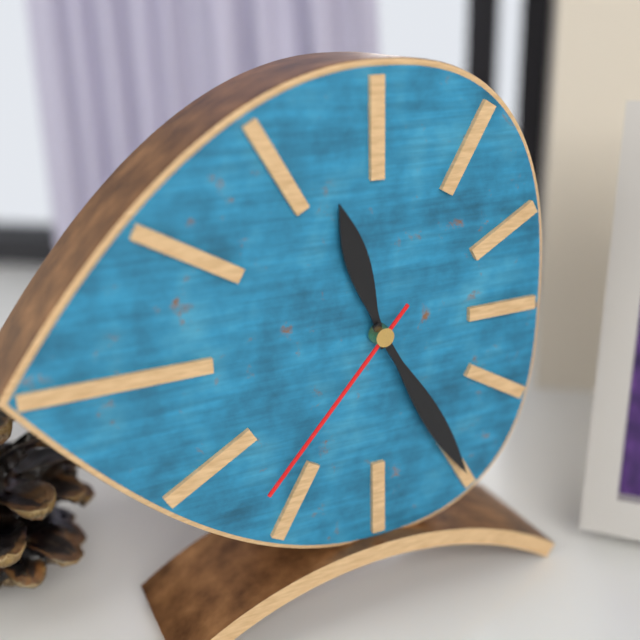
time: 11:25:37
